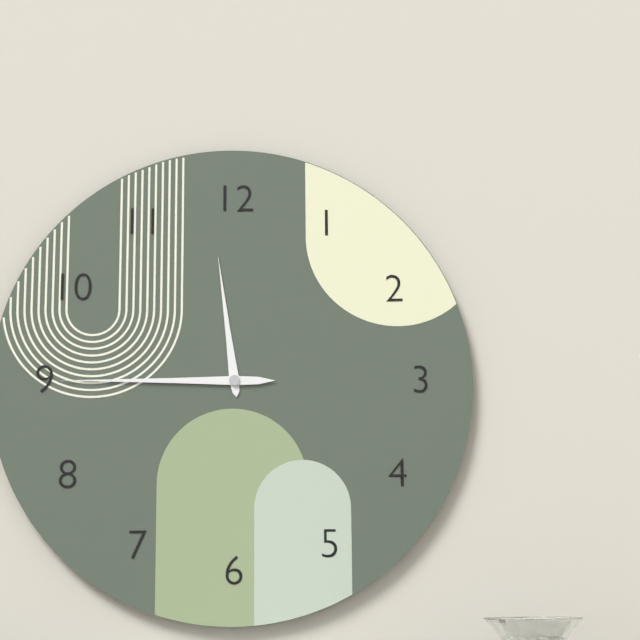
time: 11:45
